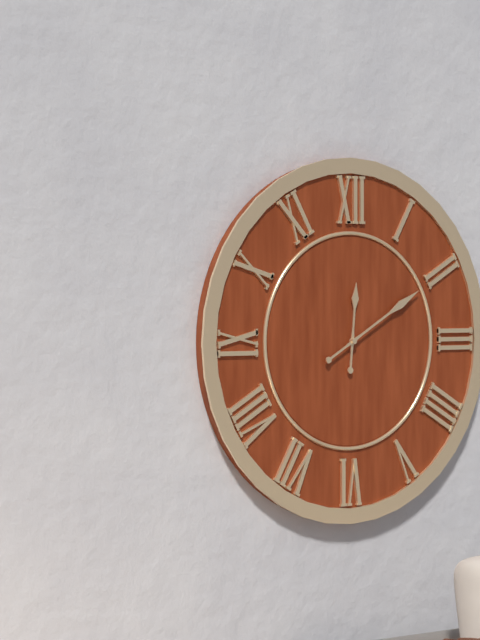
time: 12:10
